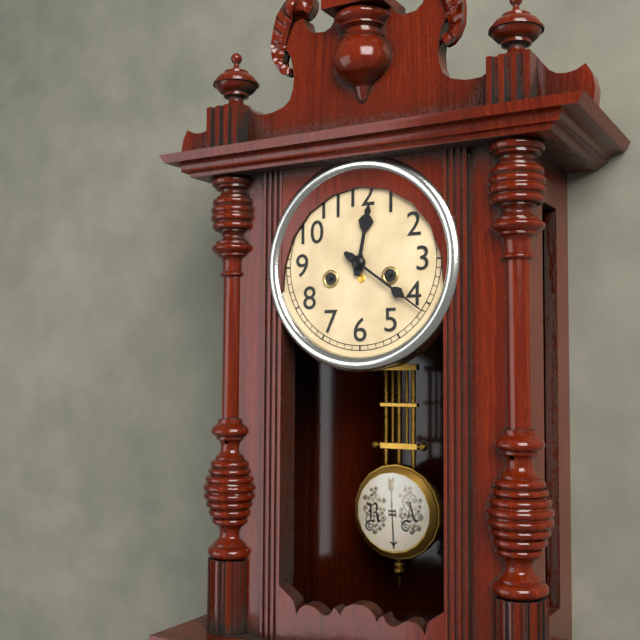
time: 12:21
